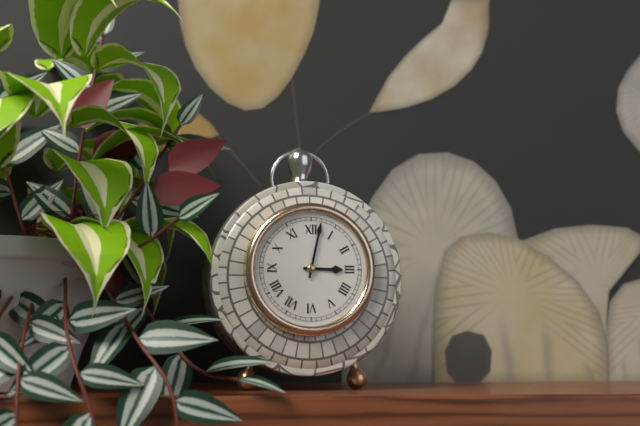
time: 3:02
